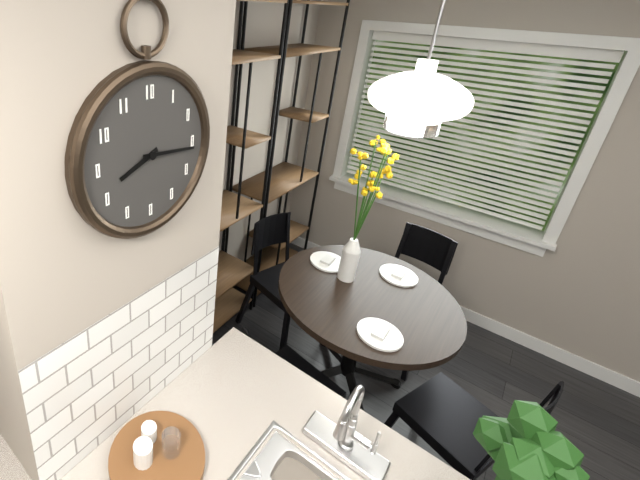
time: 8:16
